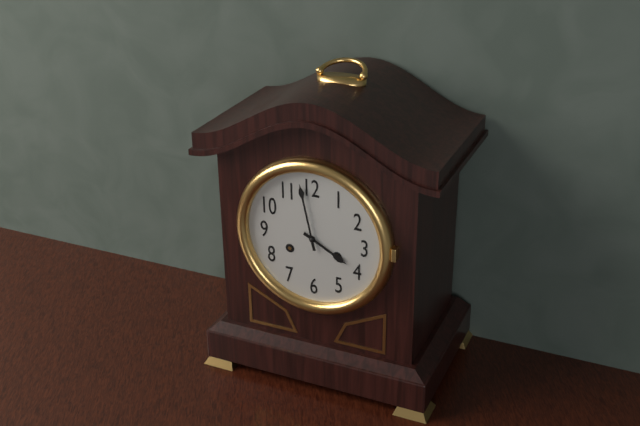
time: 3:58
